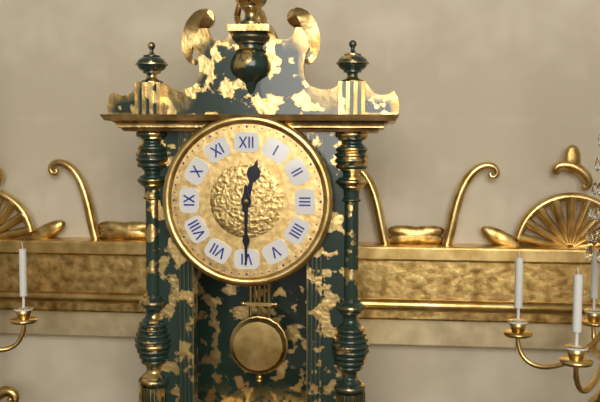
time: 12:30
